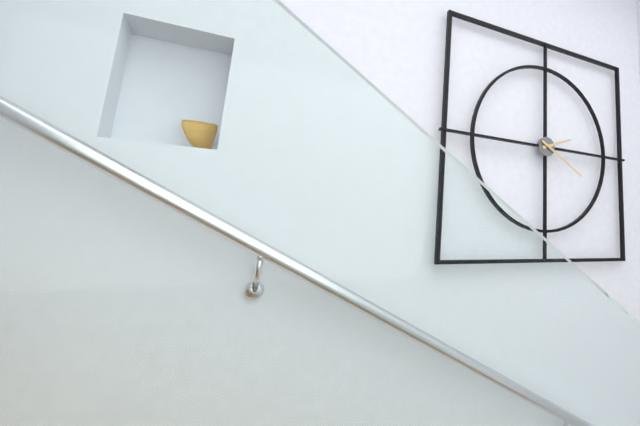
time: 2:20
